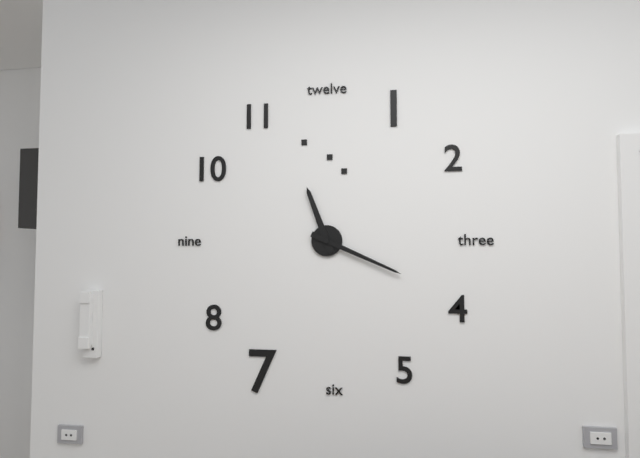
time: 11:19
